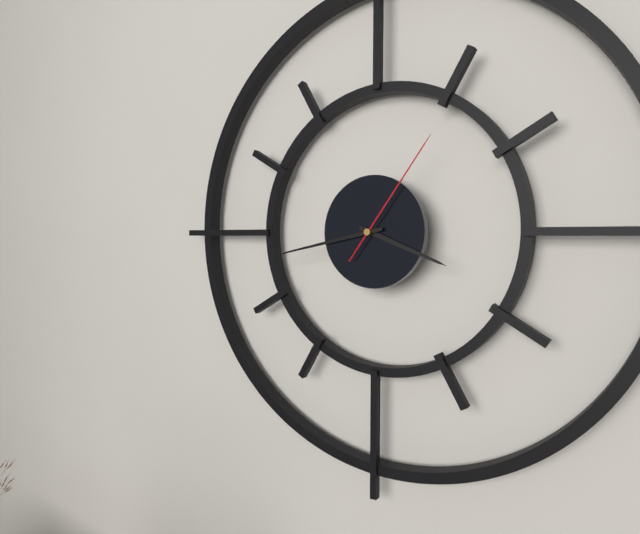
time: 3:43:06
